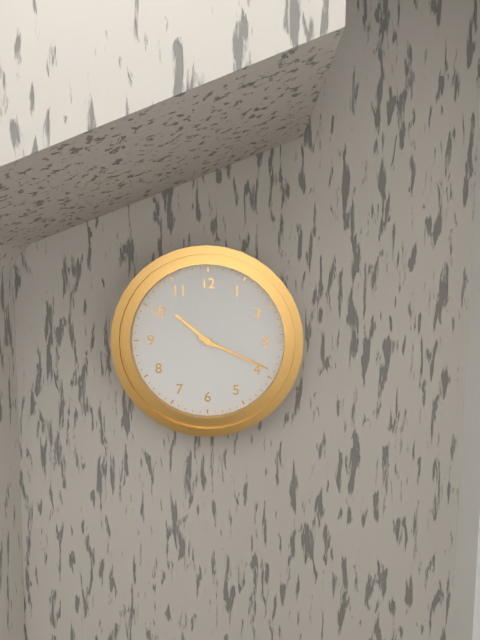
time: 10:19
